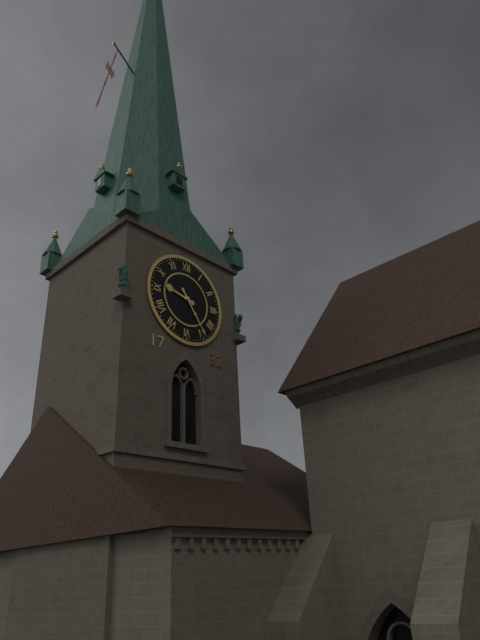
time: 9:24
